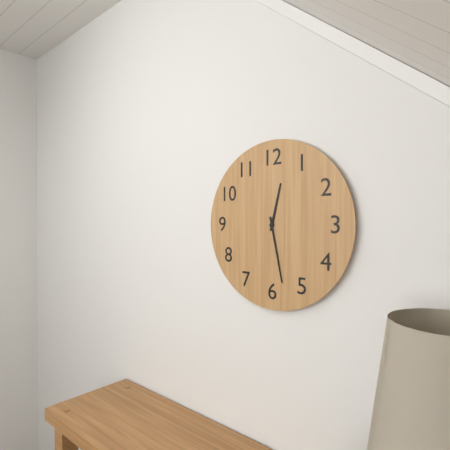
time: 12:28
